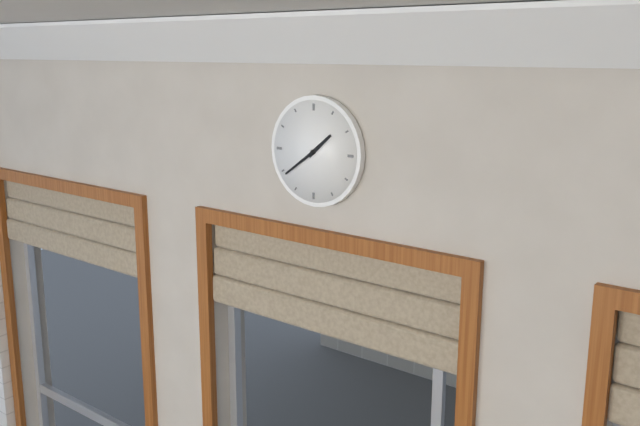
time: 1:39
